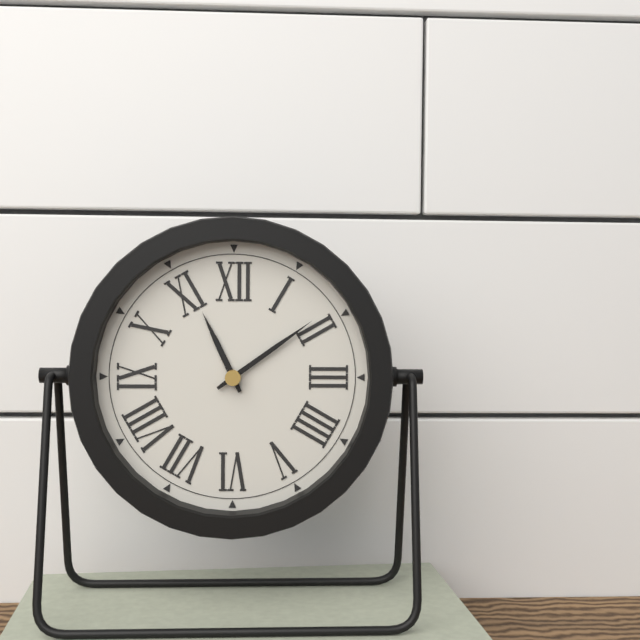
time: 11:09
